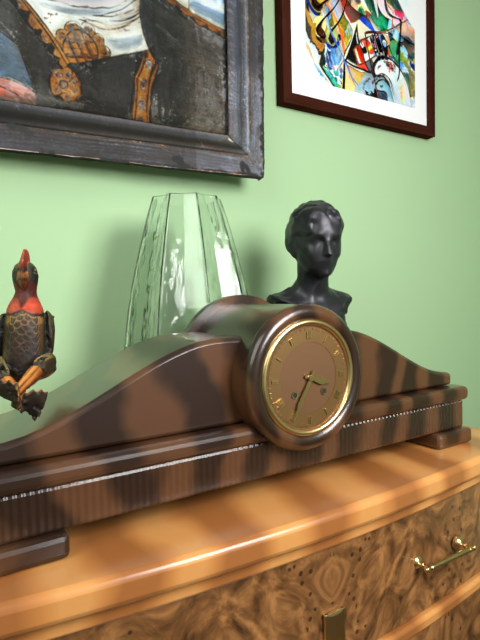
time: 3:35
